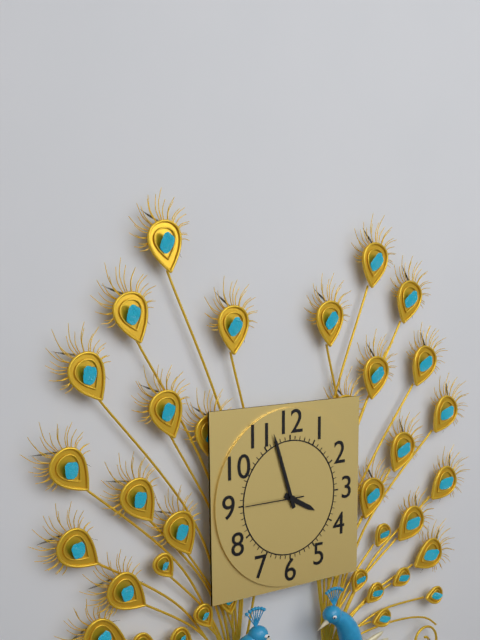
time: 3:57:45
